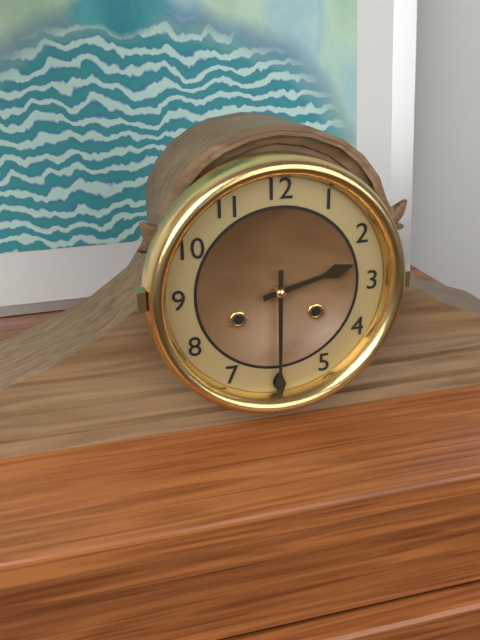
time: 2:30
